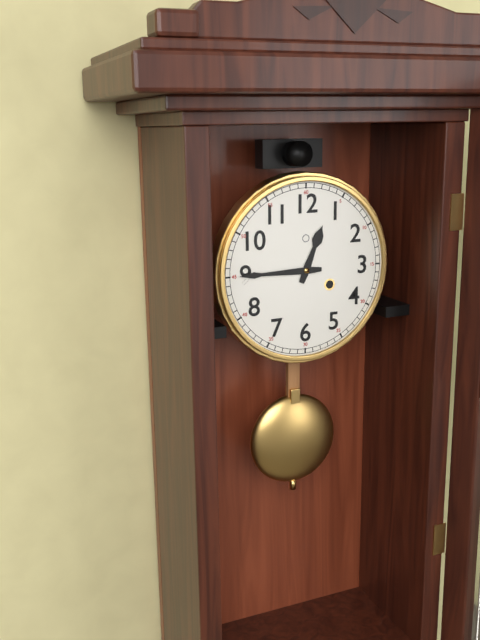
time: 12:45
